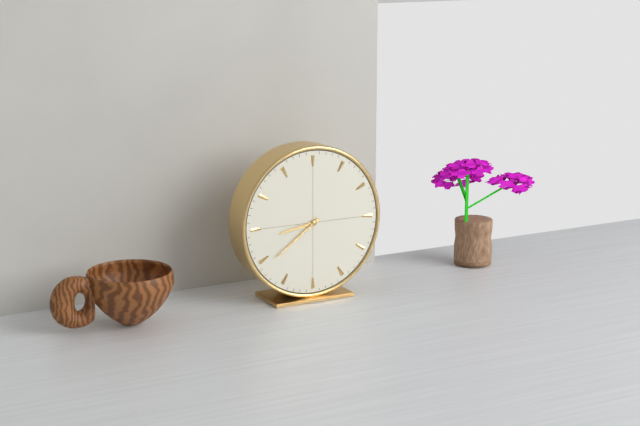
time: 8:39
